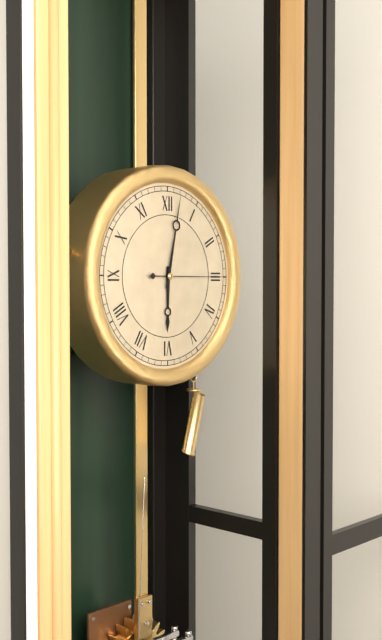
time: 6:02:15
